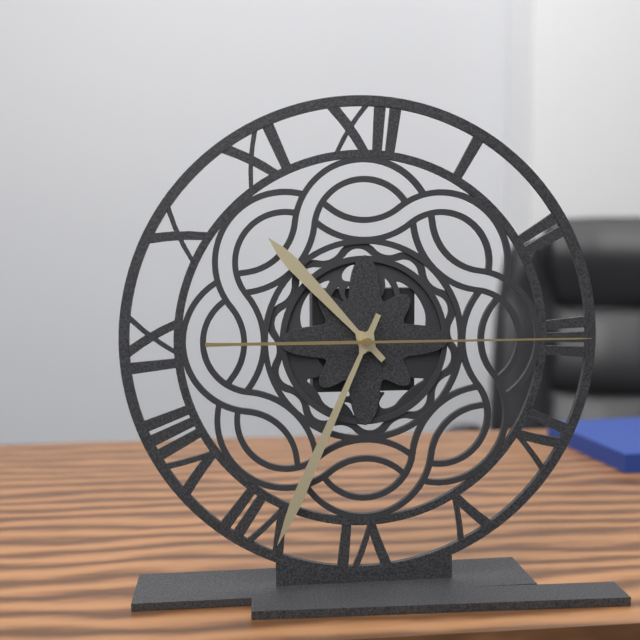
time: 10:34:15
